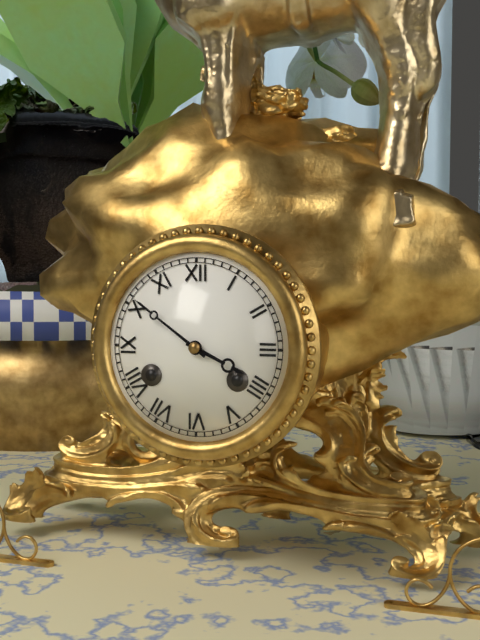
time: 3:51
